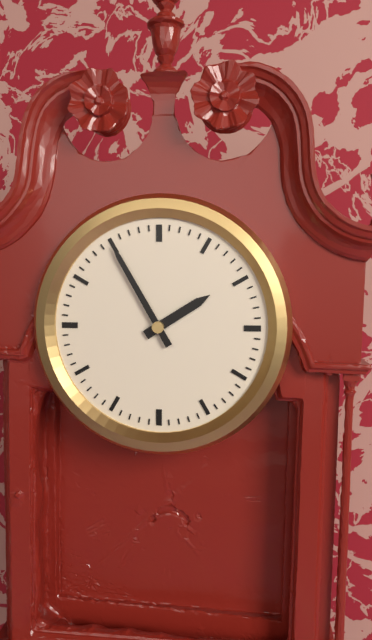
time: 1:55
